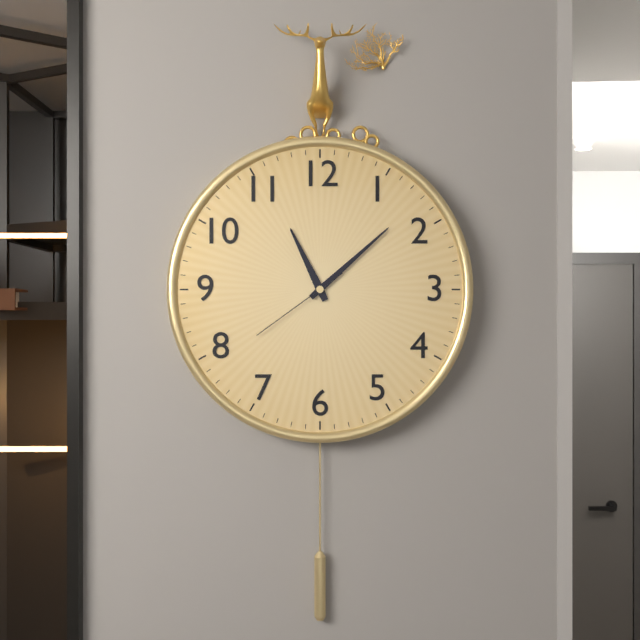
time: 11:08:39
